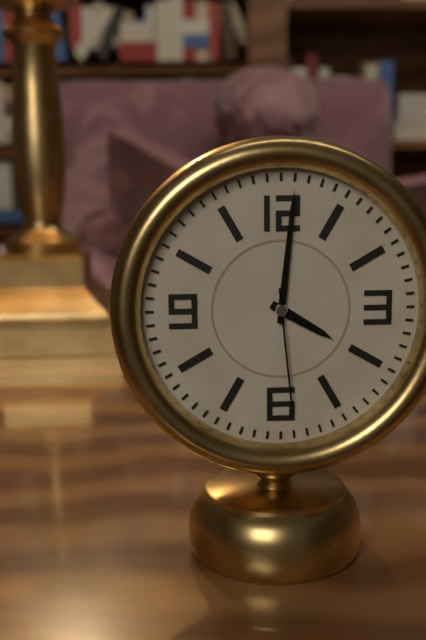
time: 4:01:29
